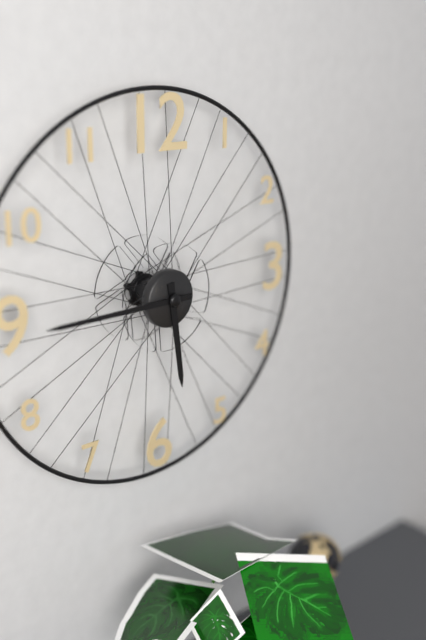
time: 5:45
